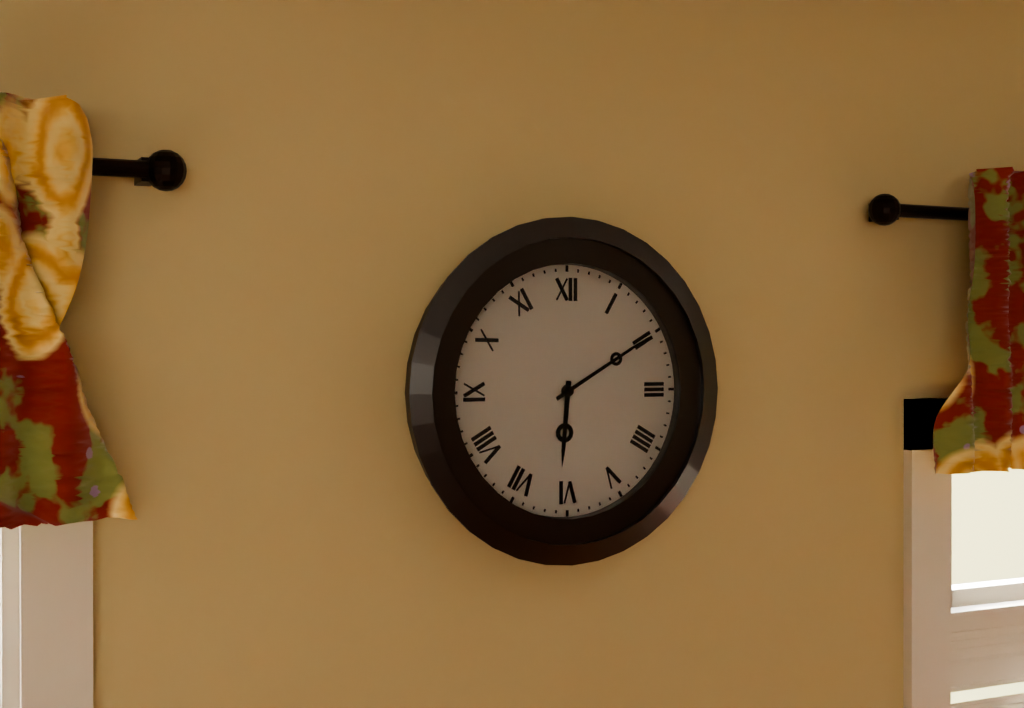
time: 6:10
